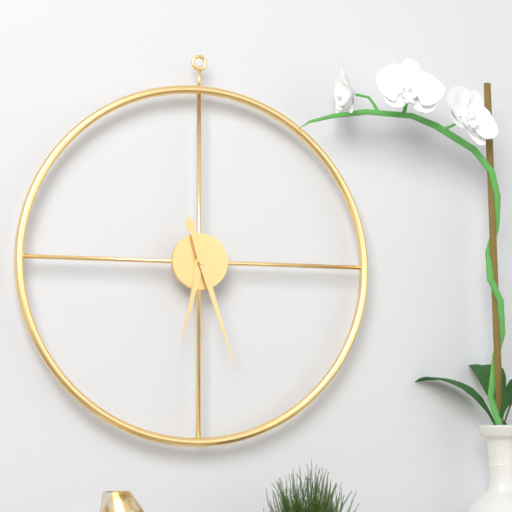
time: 6:27
